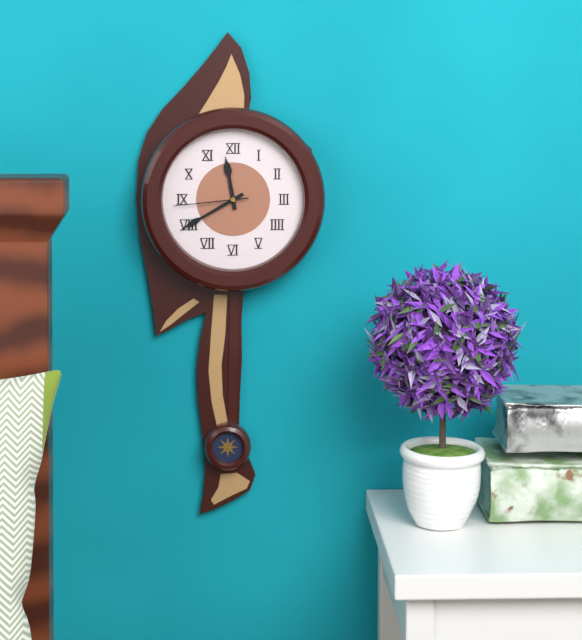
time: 11:40:44
